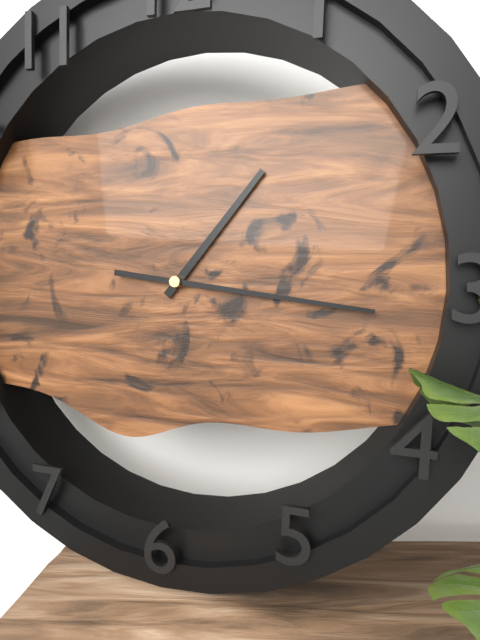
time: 1:16
